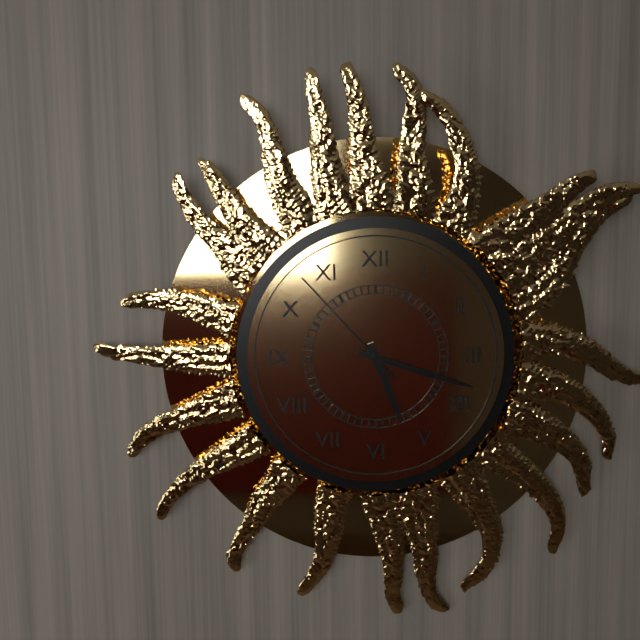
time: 5:18:53
